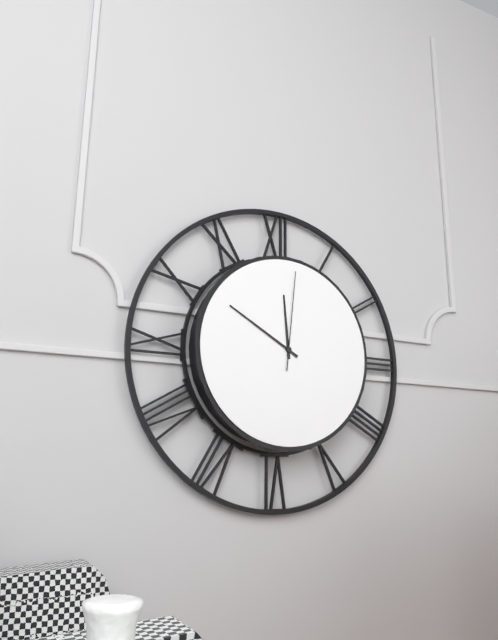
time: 11:50:01
